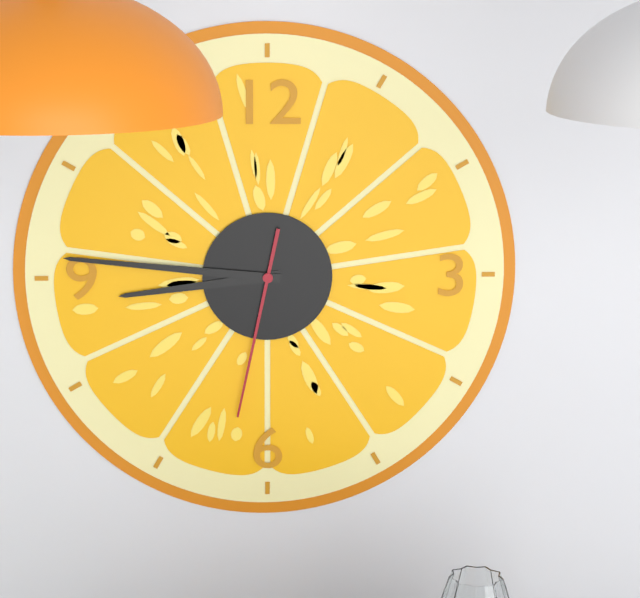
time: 8:46:32
